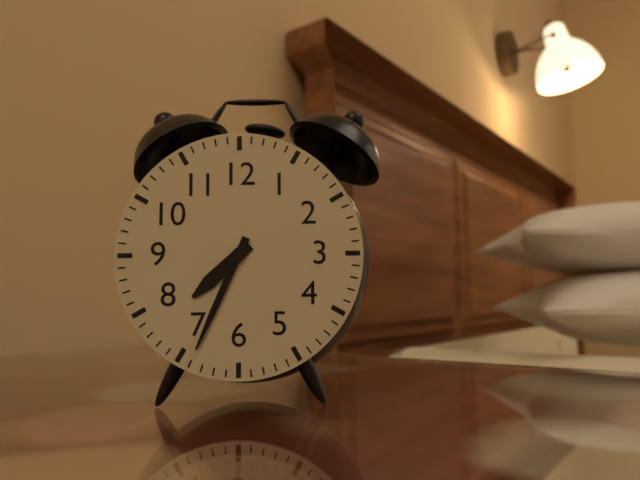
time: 7:34
